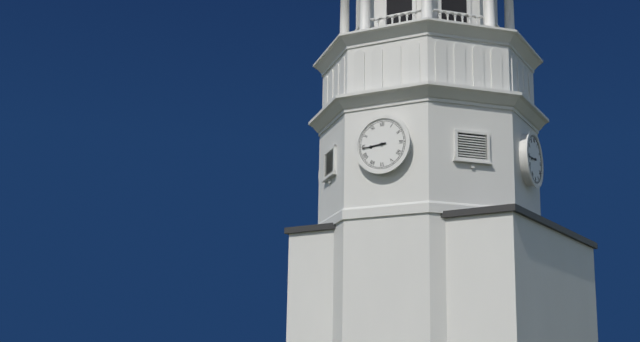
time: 8:44
